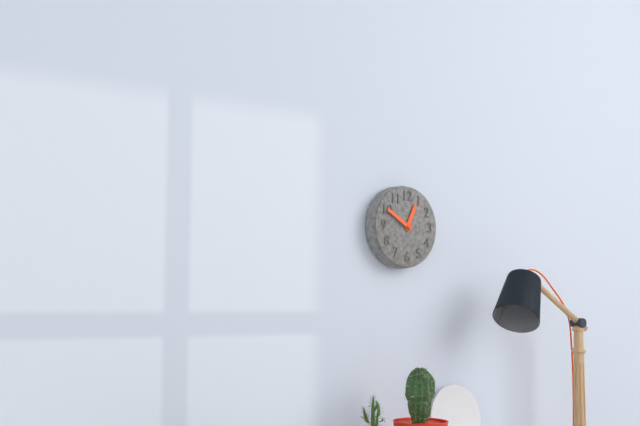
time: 12:50
